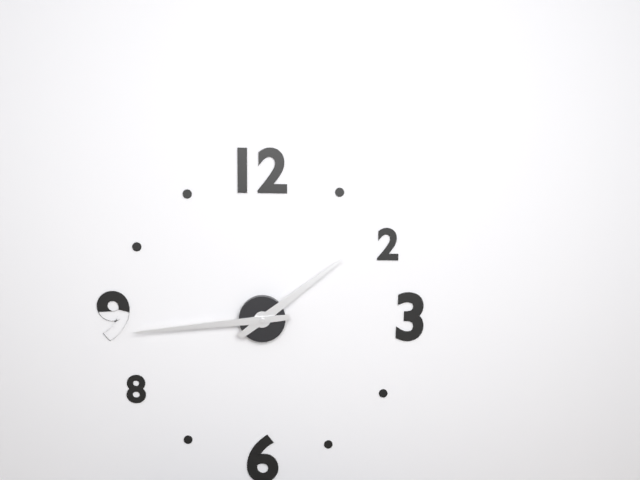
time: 1:44
